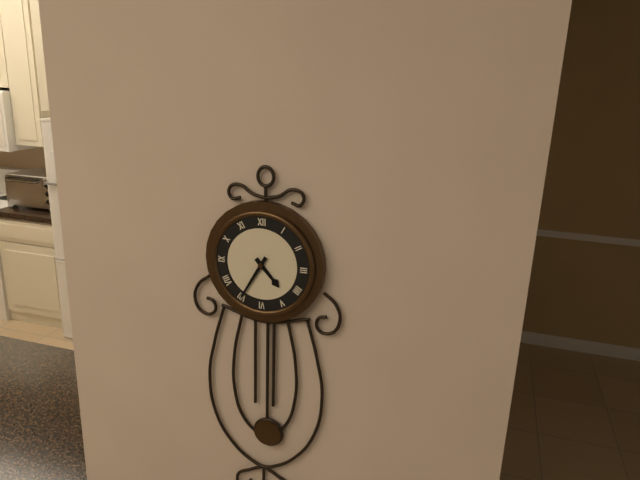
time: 4:35
